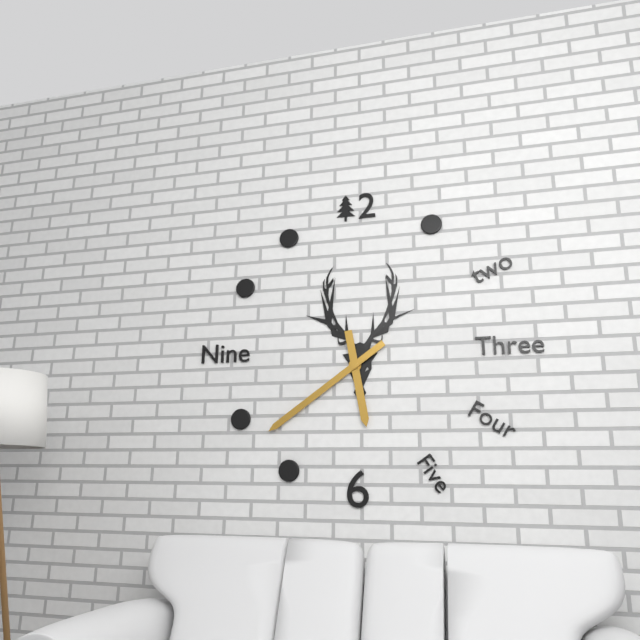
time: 5:39
